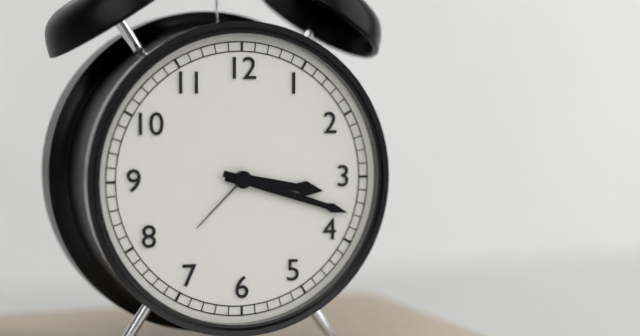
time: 3:18
